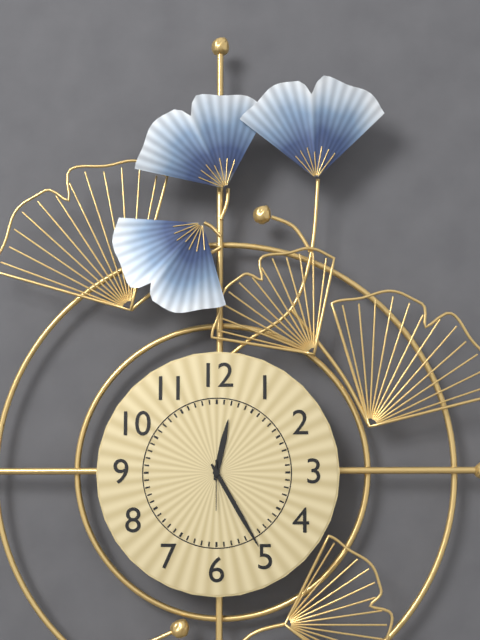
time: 12:25
